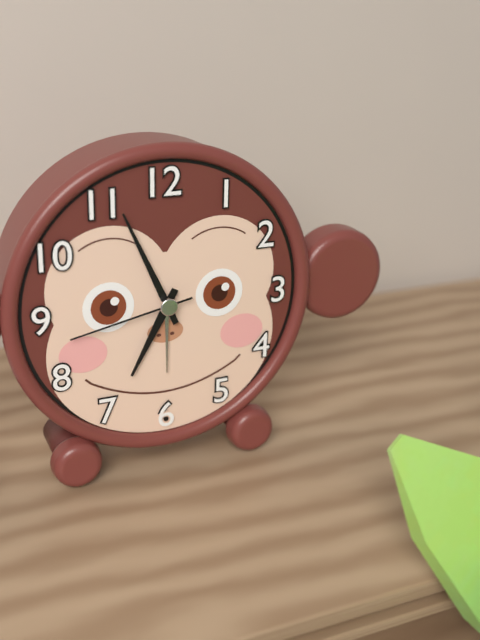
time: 6:56:43
